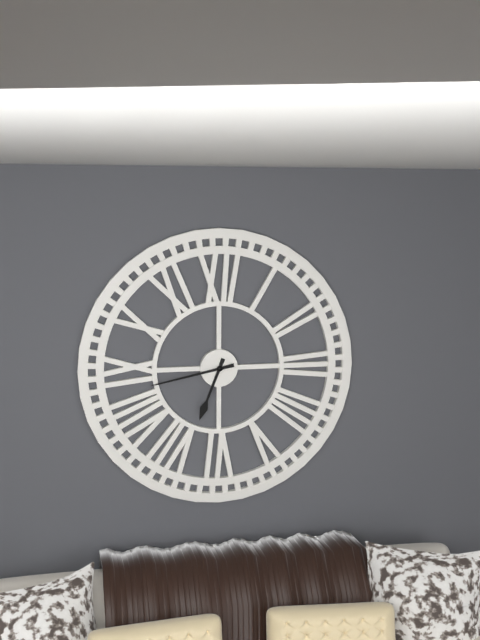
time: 6:43
